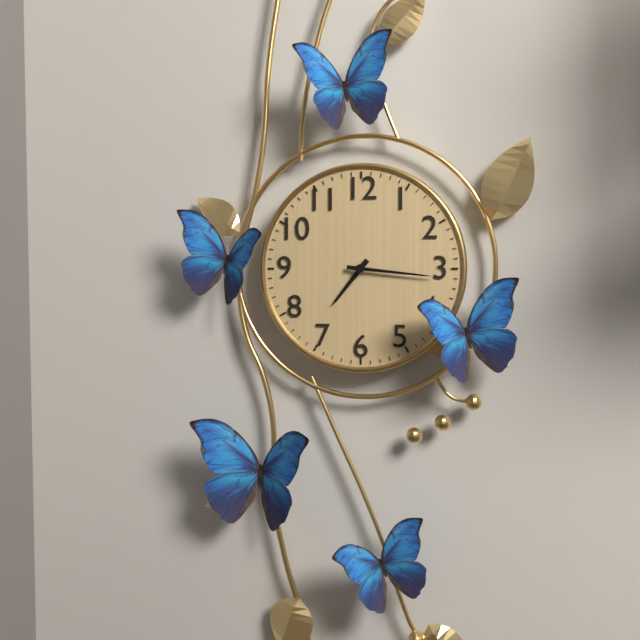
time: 7:16
